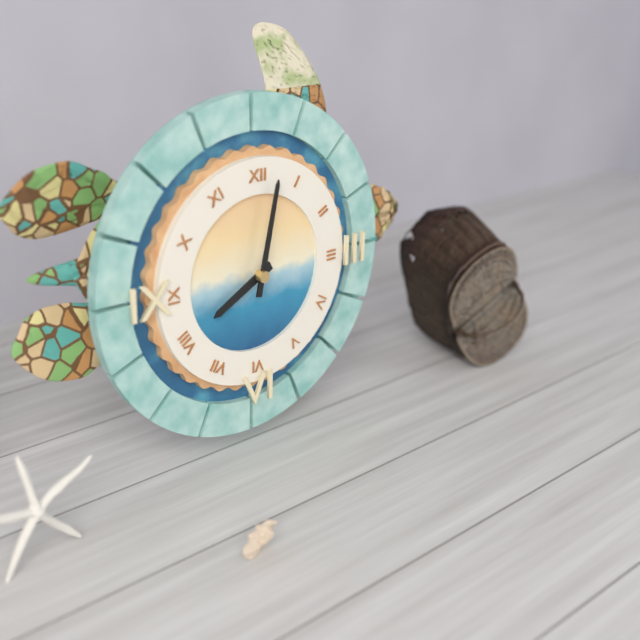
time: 8:02
